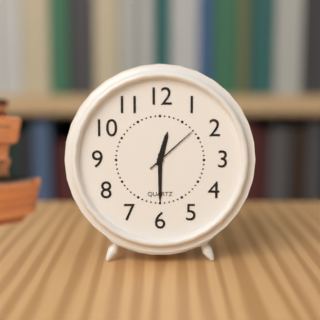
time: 12:30:08
